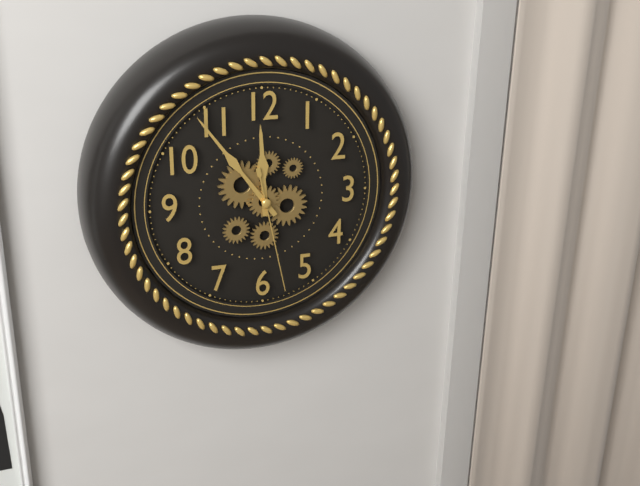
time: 11:54:28
